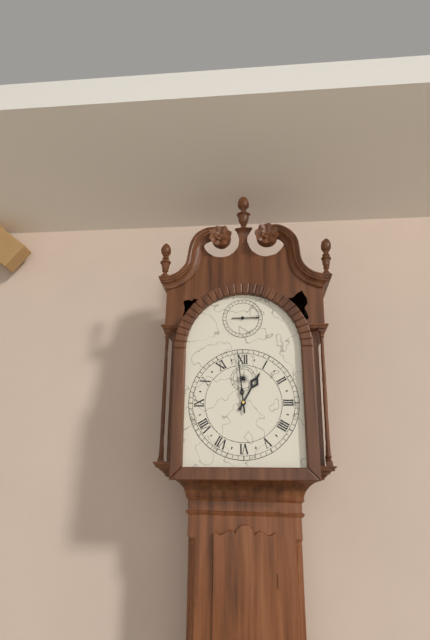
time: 12:59
